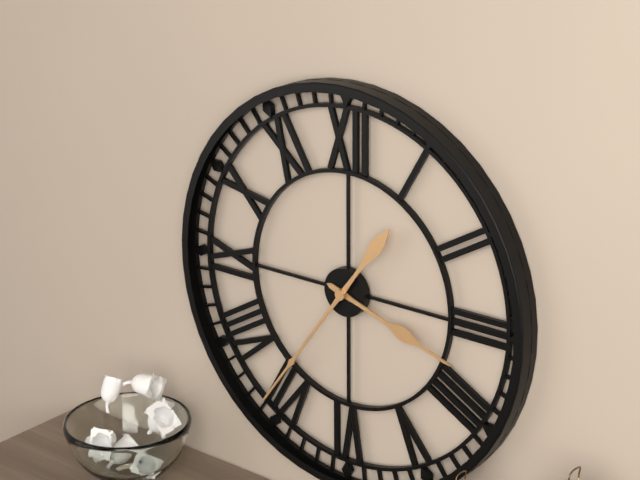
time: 3:36
